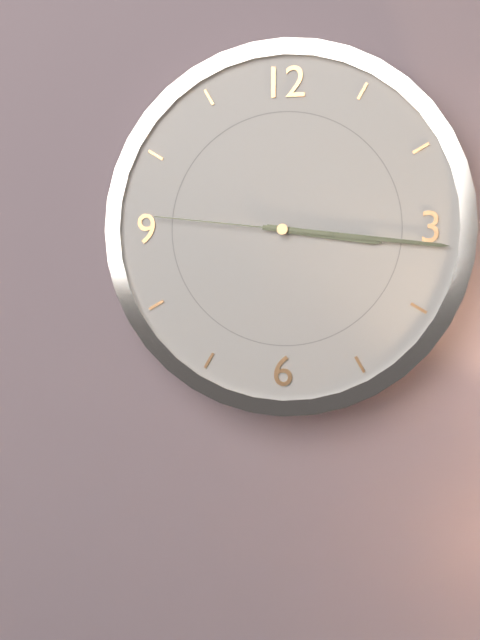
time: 3:16:46
